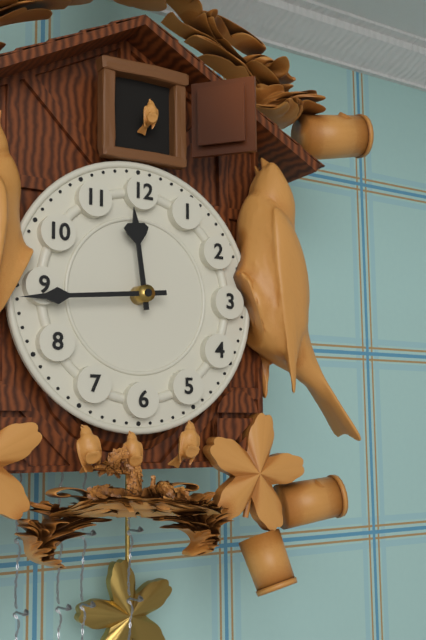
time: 11:44
